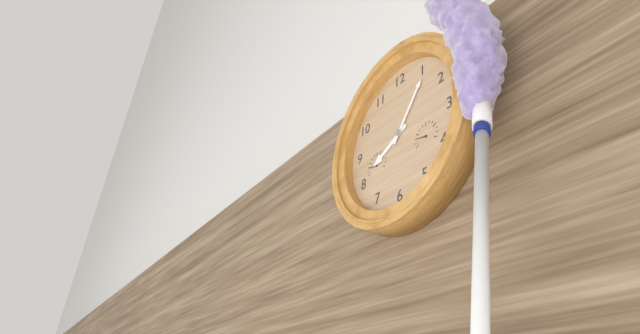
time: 8:06
